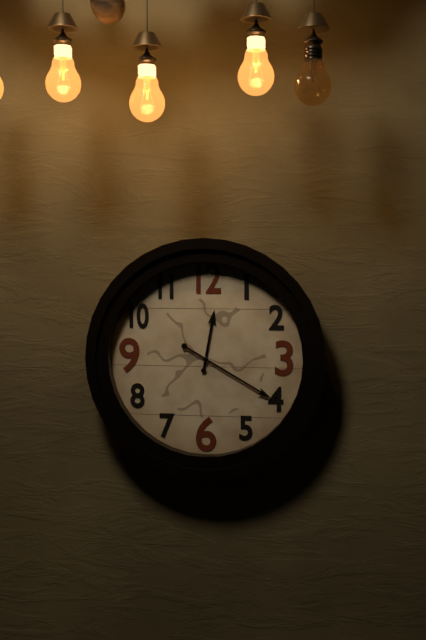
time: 12:20
